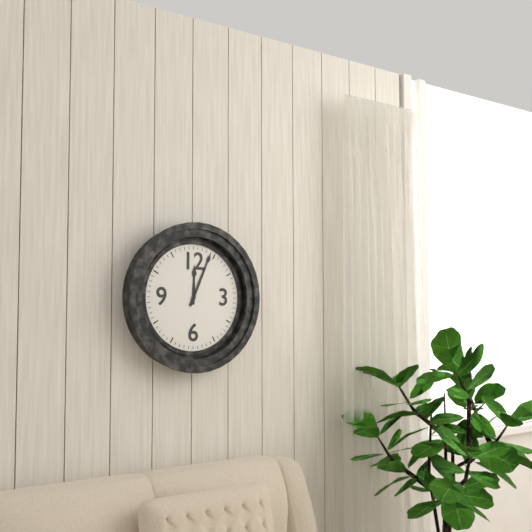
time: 12:04
